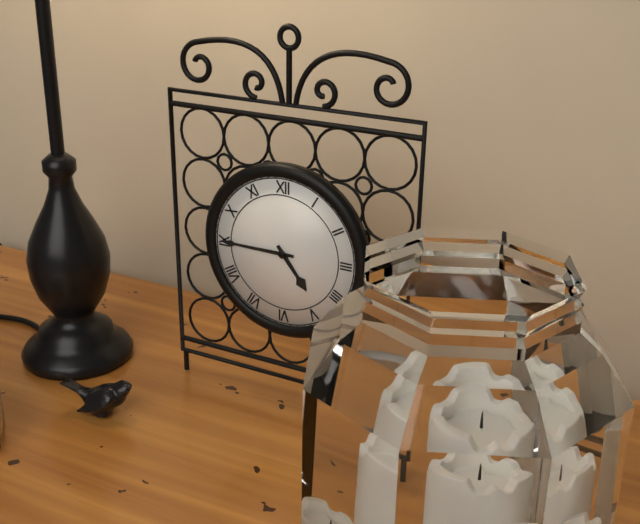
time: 4:45
